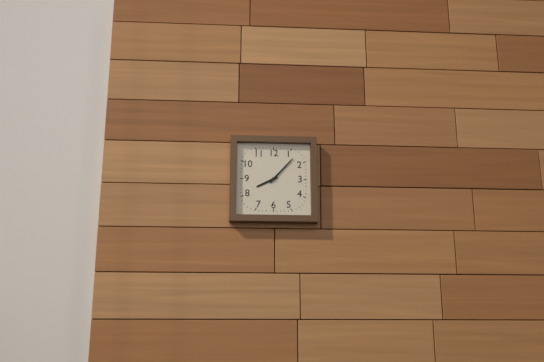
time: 8:07
